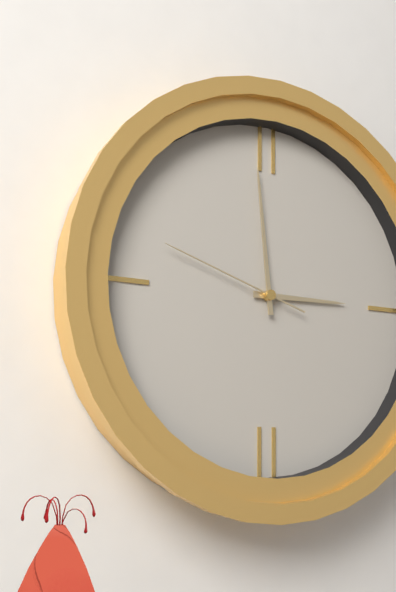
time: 2:59:48
